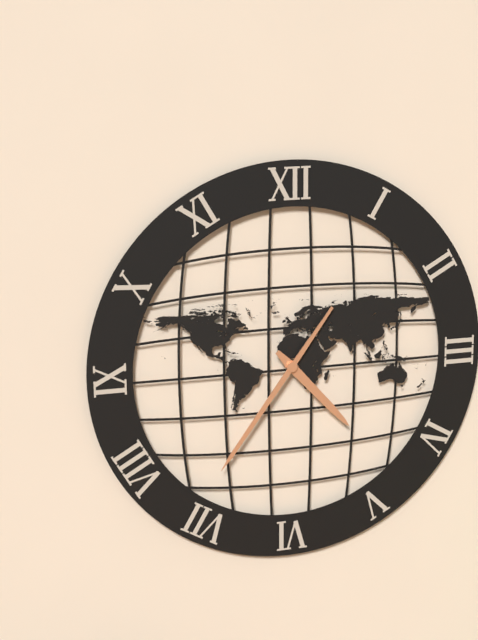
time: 4:36
